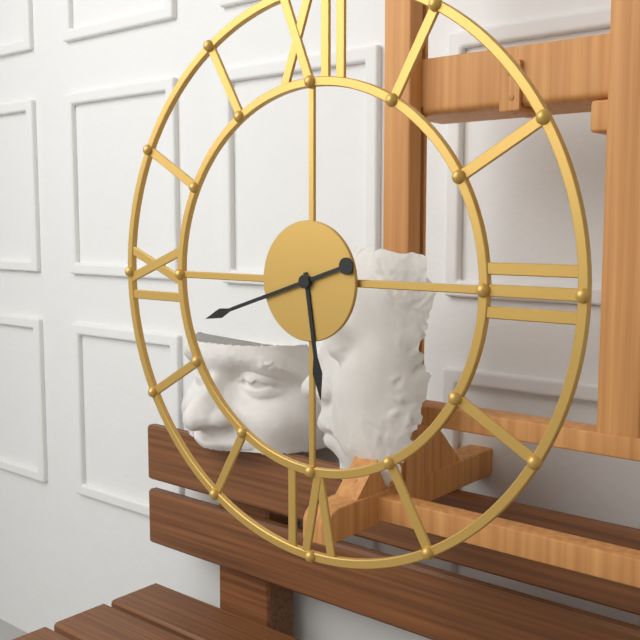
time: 5:42
